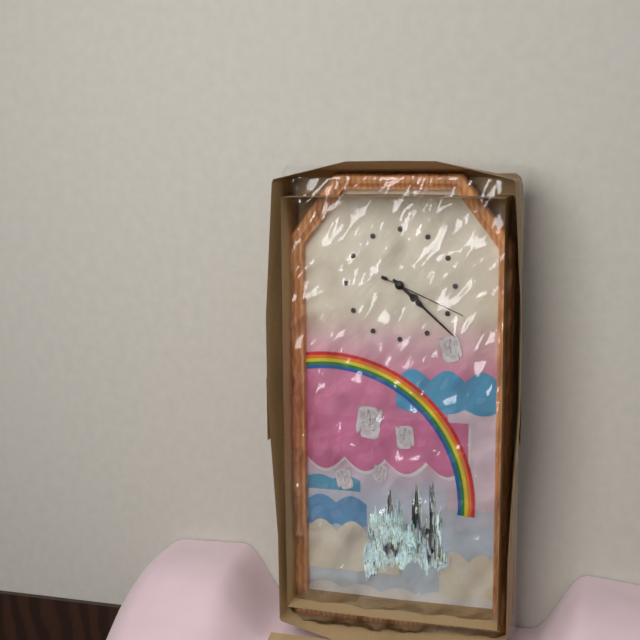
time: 4:22:19
